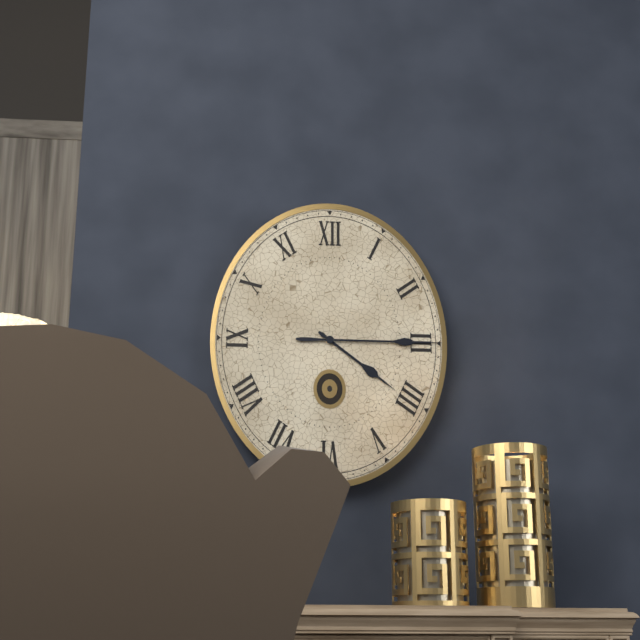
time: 4:15
